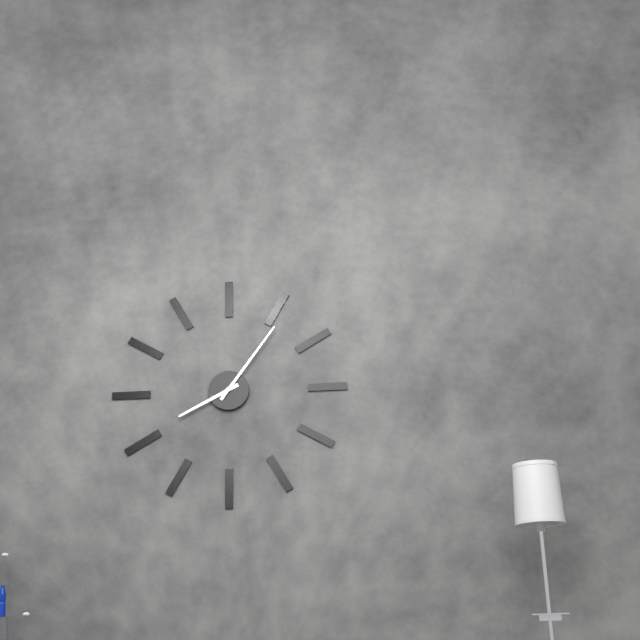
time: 8:06
